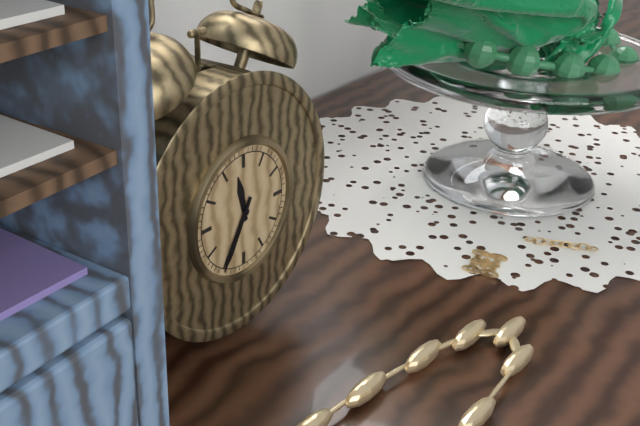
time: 11:35
